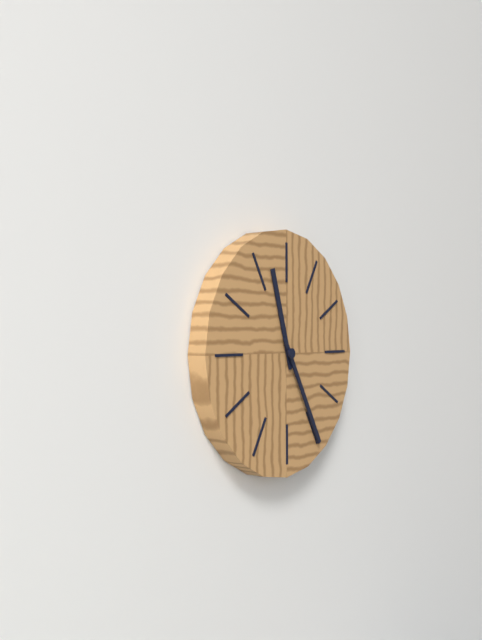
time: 11:25
